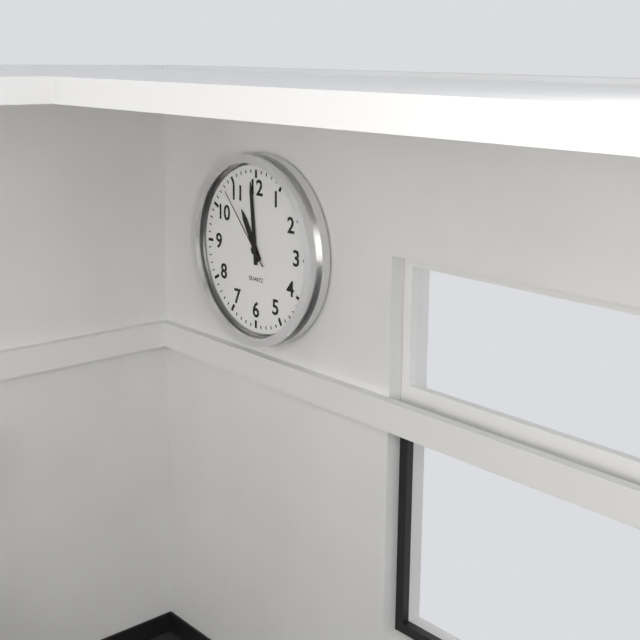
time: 10:59:53
